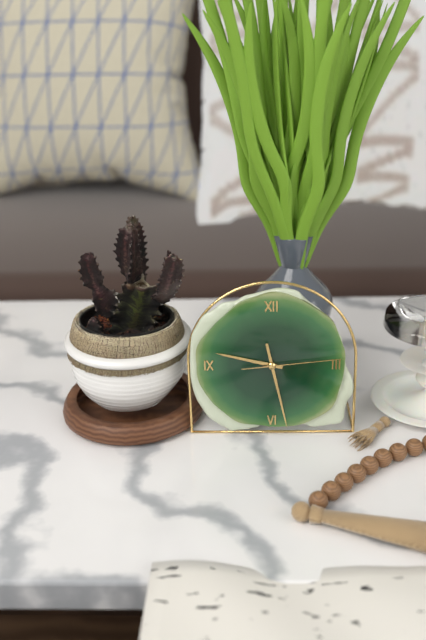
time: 9:28:14
